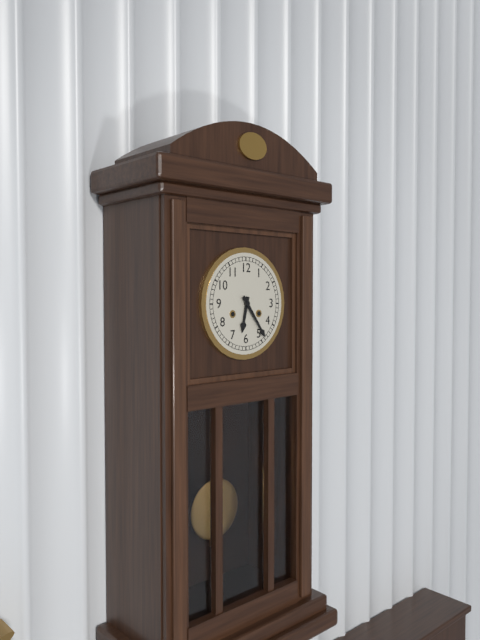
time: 6:24
